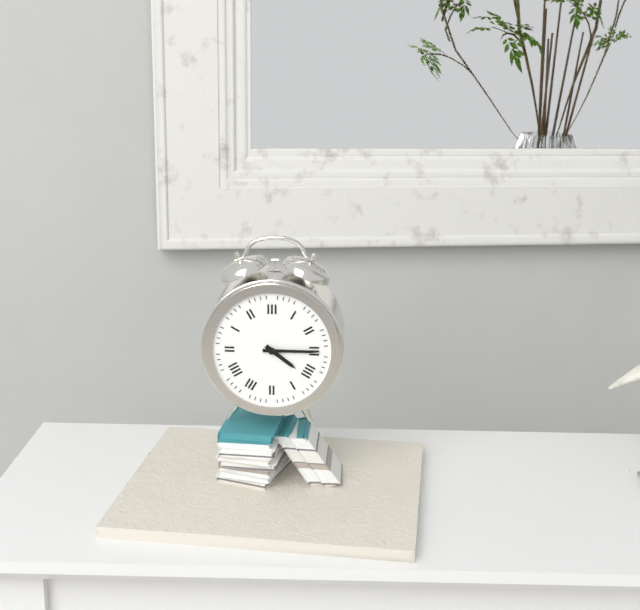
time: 4:15
